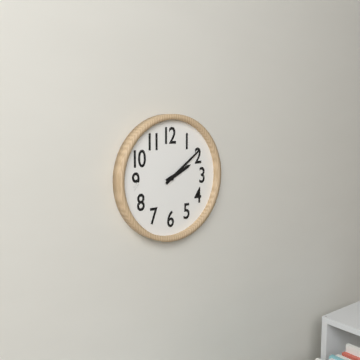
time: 2:09
